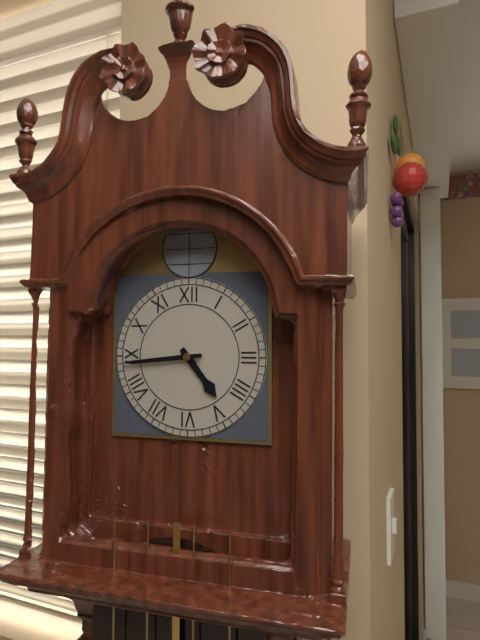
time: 4:44
